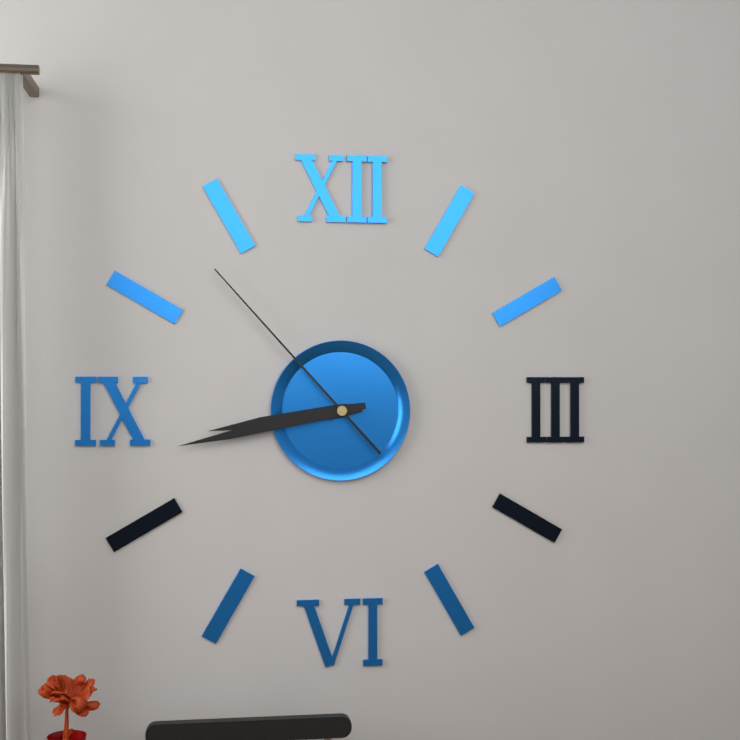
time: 8:43:53
